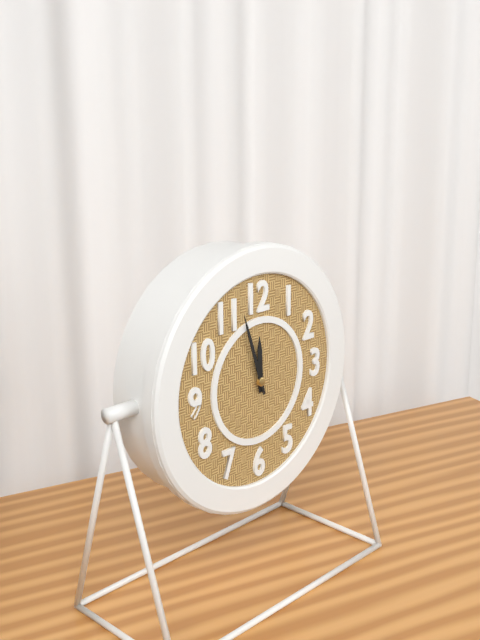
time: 11:57
